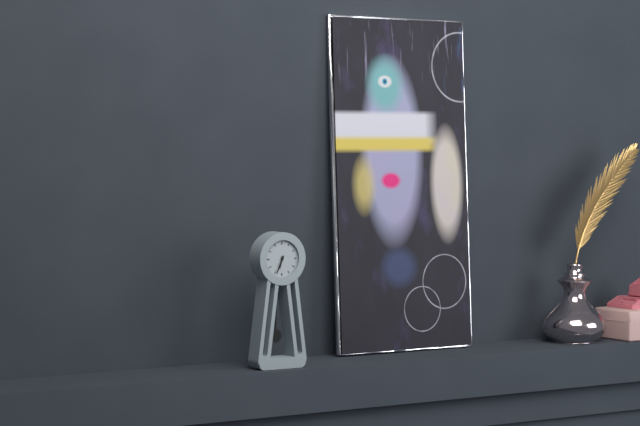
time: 6:34
